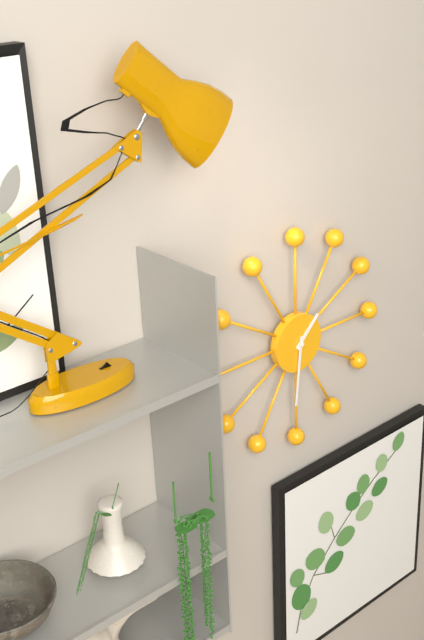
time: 1:31
